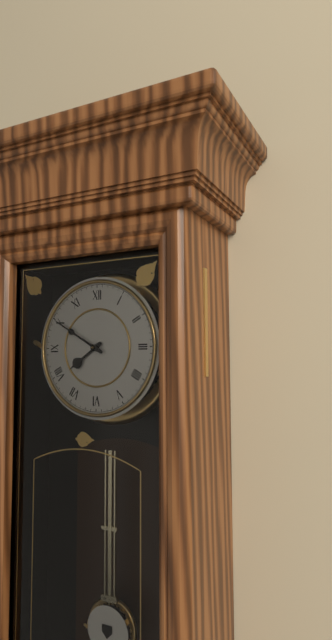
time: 7:50
